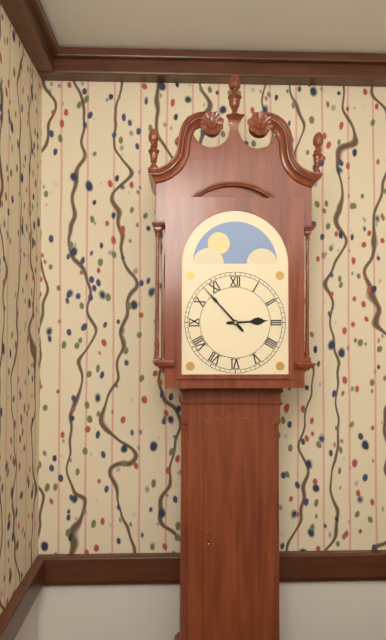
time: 2:53
